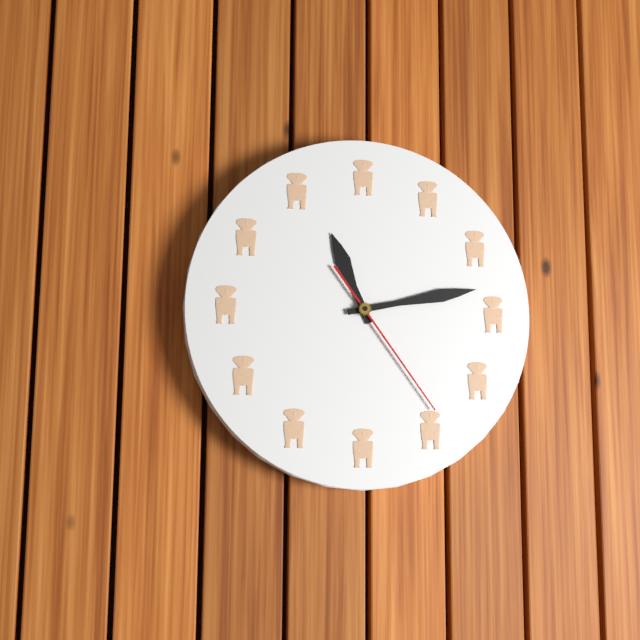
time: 11:13:24
